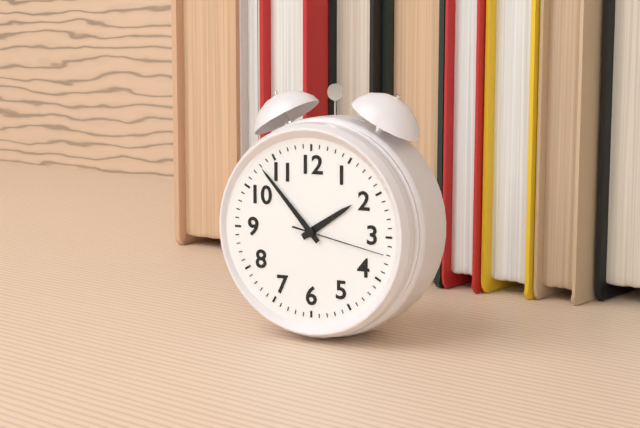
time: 1:53:17
